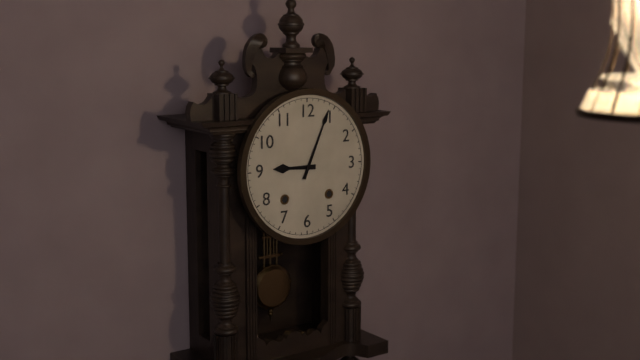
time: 9:04
